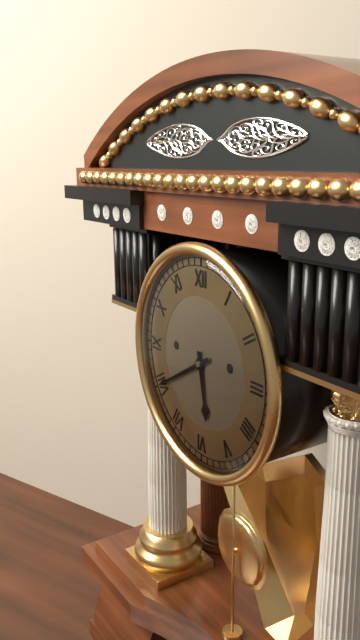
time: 5:40
